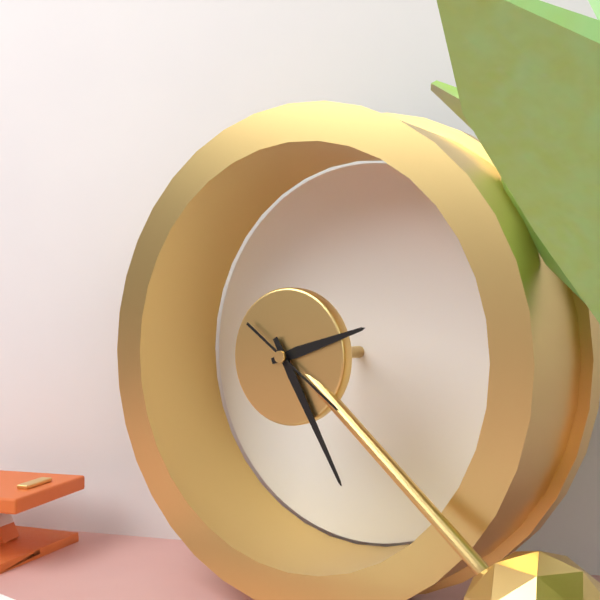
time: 2:25
